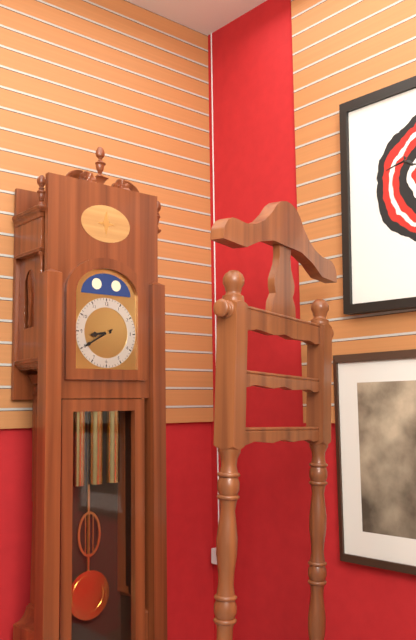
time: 8:40
